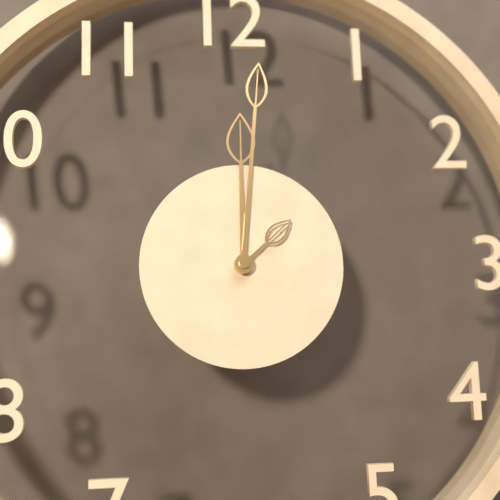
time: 12:01:08
